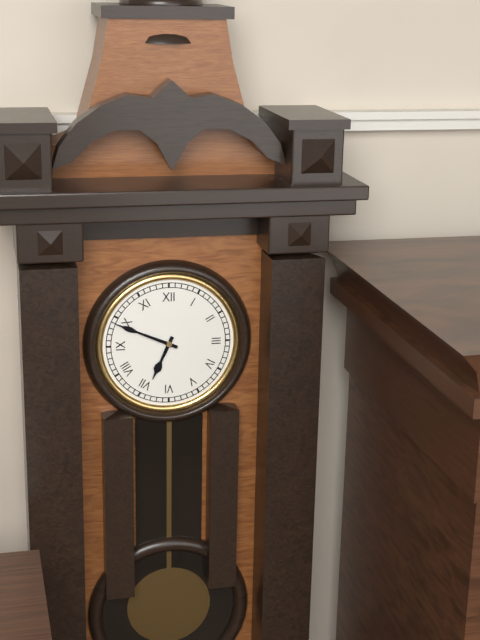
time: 6:49
